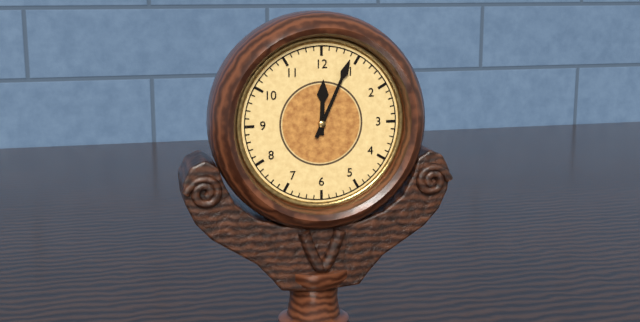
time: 12:04
